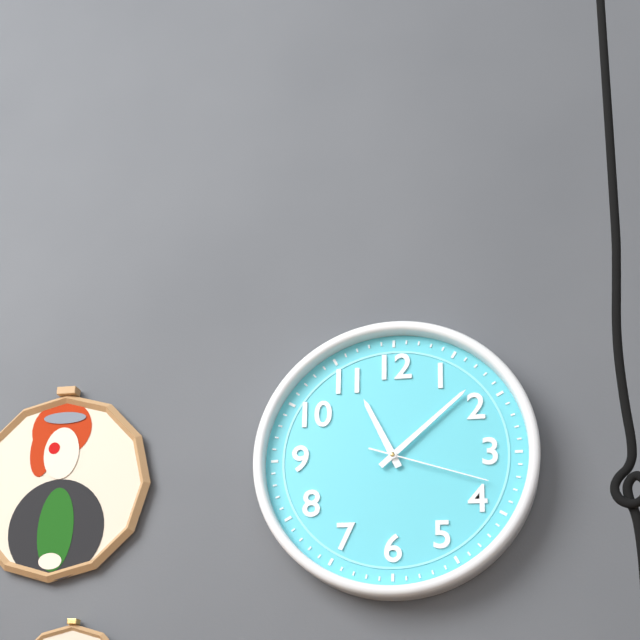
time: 11:08:18
